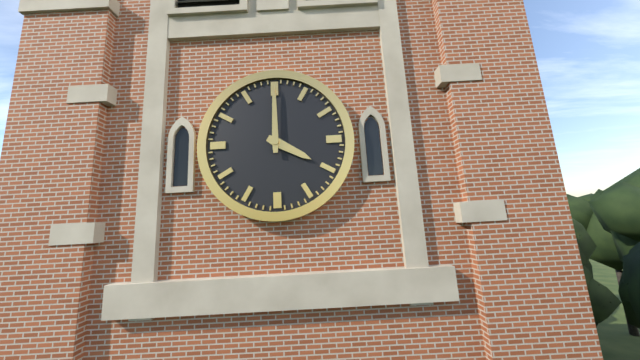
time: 4:00
